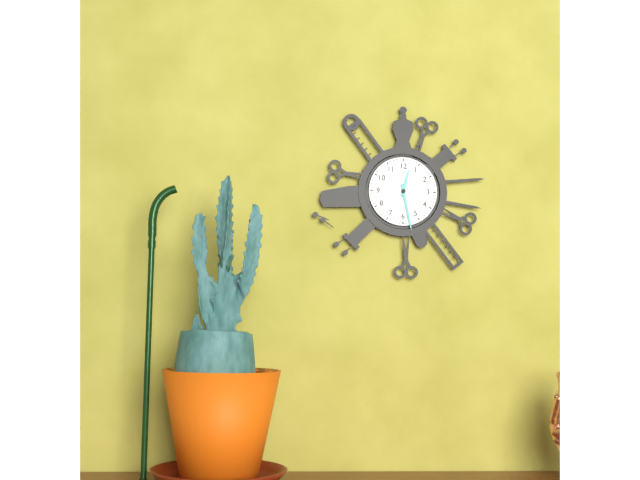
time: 12:28
